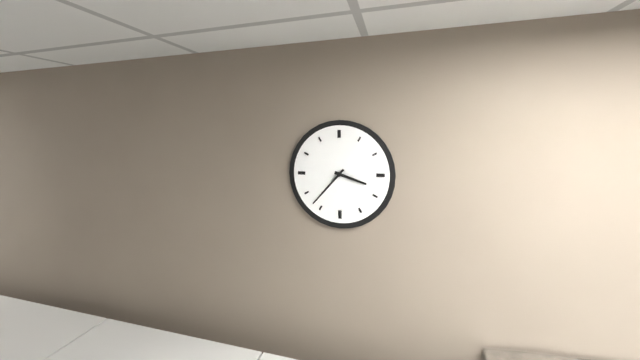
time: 3:37
